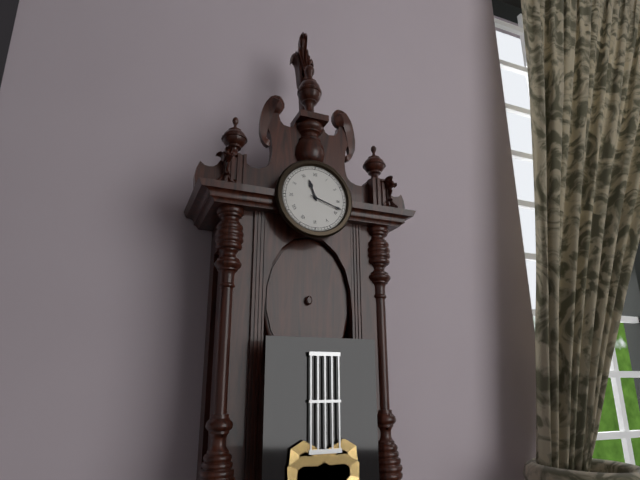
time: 11:18
